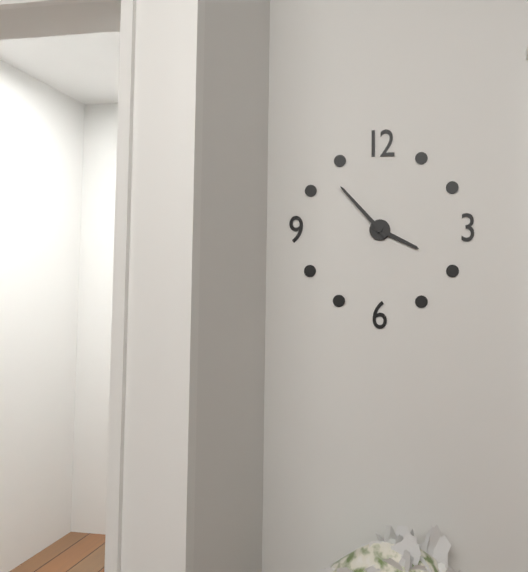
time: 3:53
